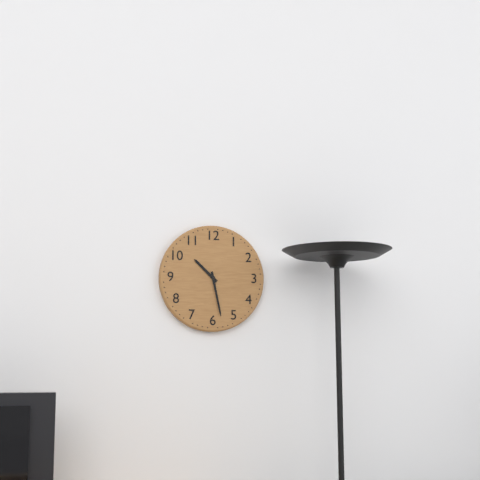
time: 10:28
